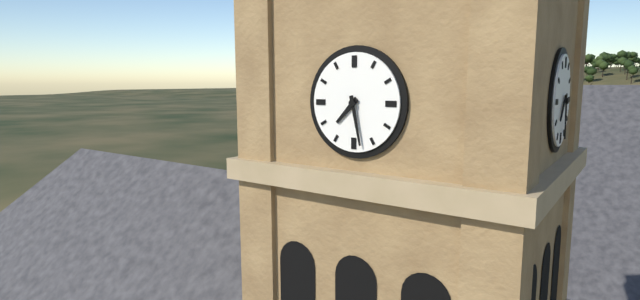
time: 7:28
